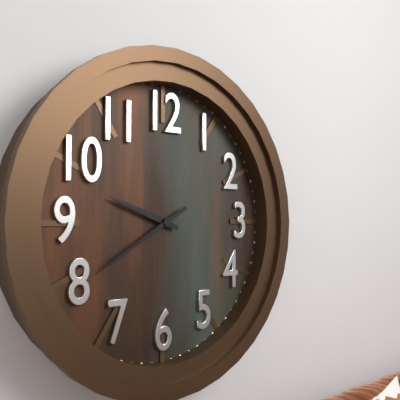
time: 9:40
